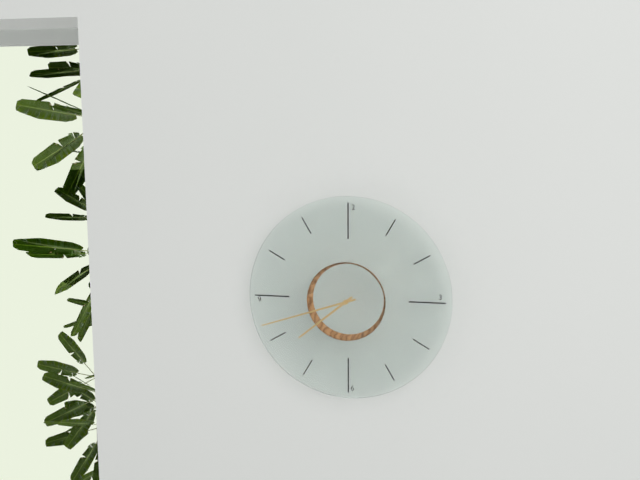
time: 7:42
